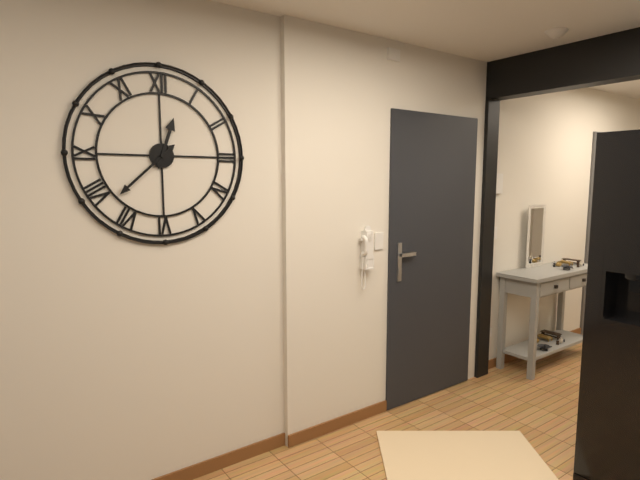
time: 12:38
